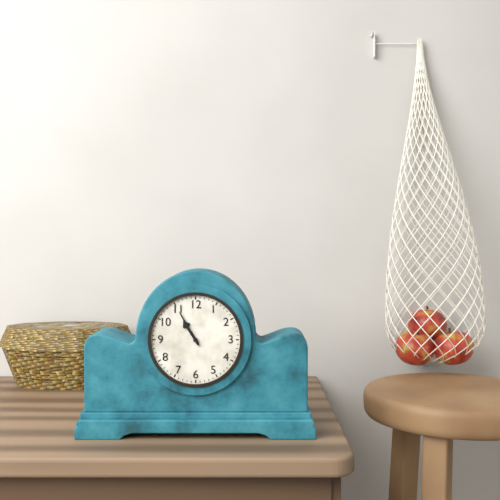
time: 10:55
